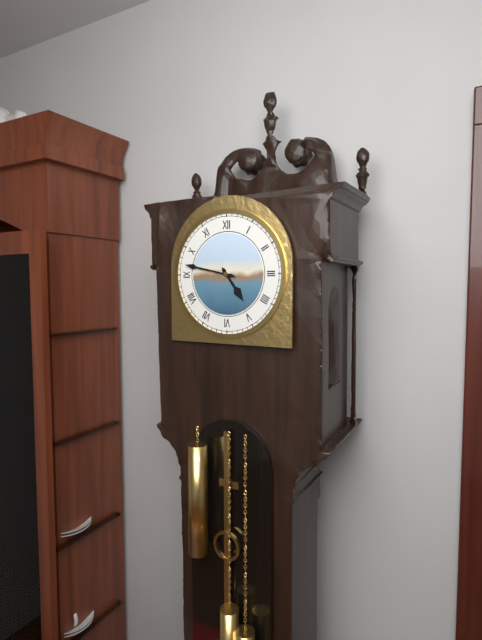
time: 4:47
